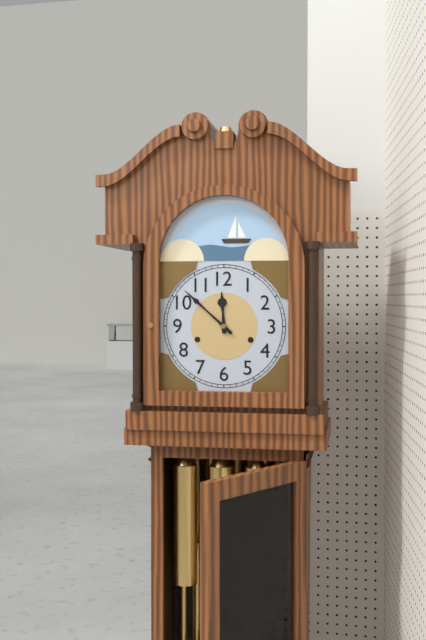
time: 11:52
